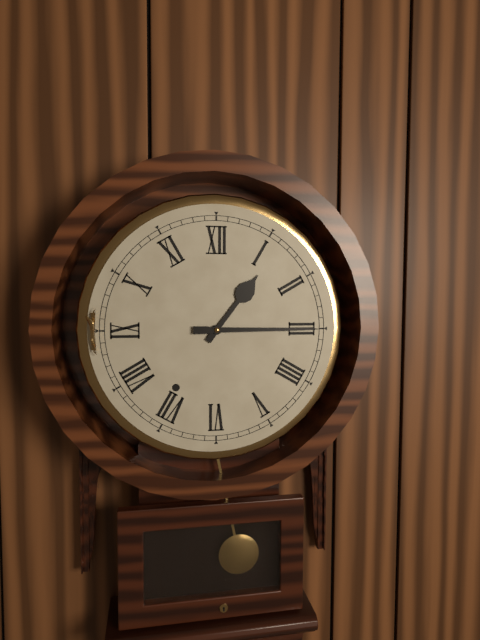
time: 1:15
